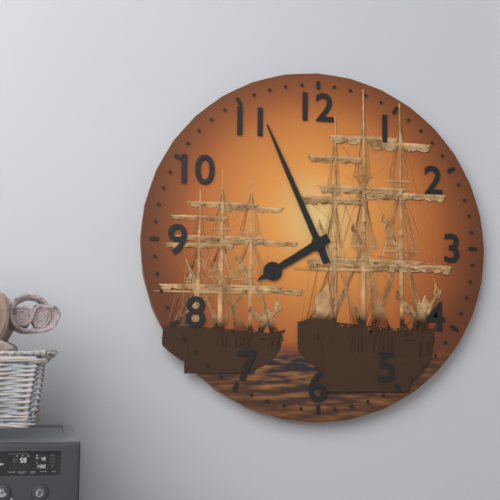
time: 7:56
